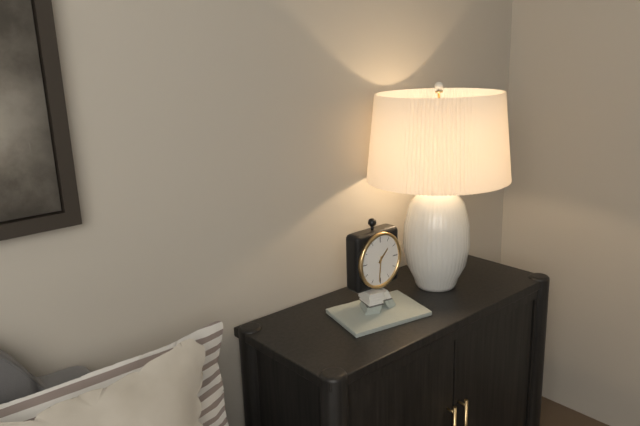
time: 1:31
